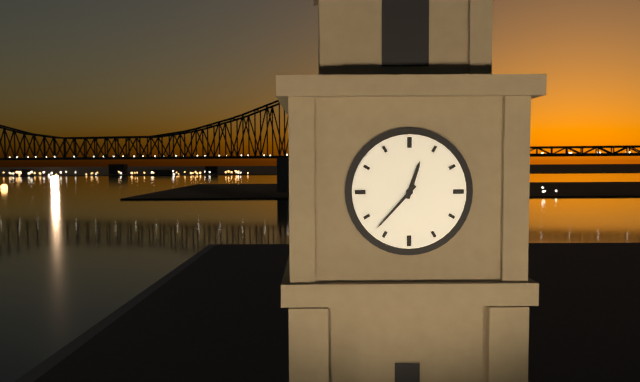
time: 12:37
